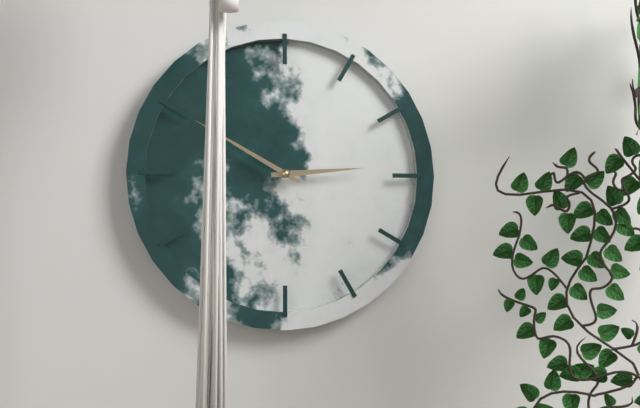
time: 2:50
